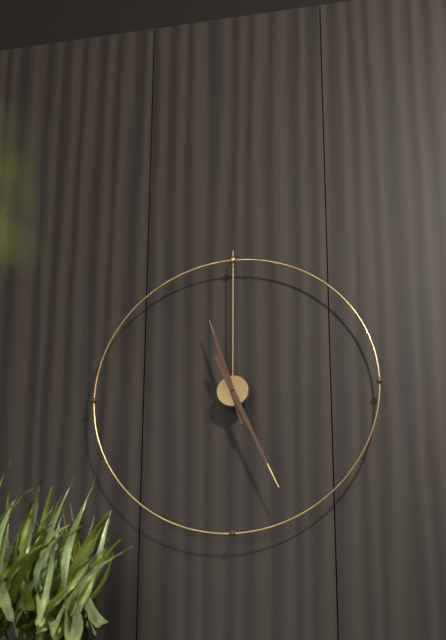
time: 11:26
